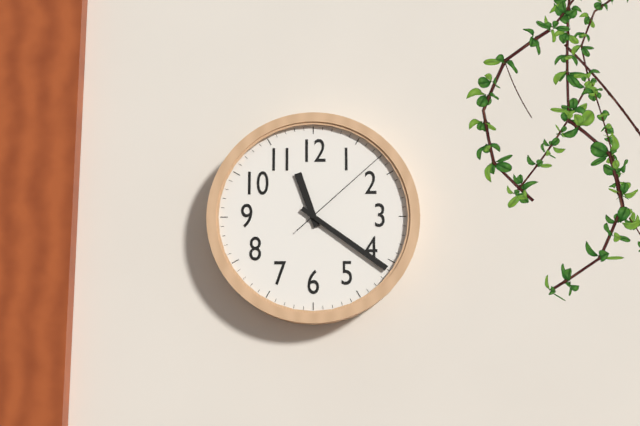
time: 11:21:08
